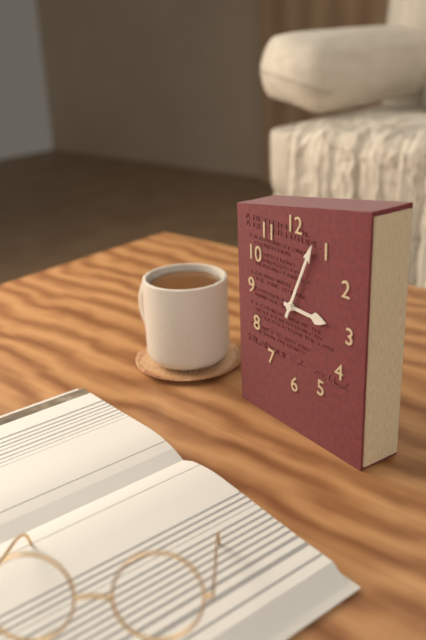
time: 3:04
